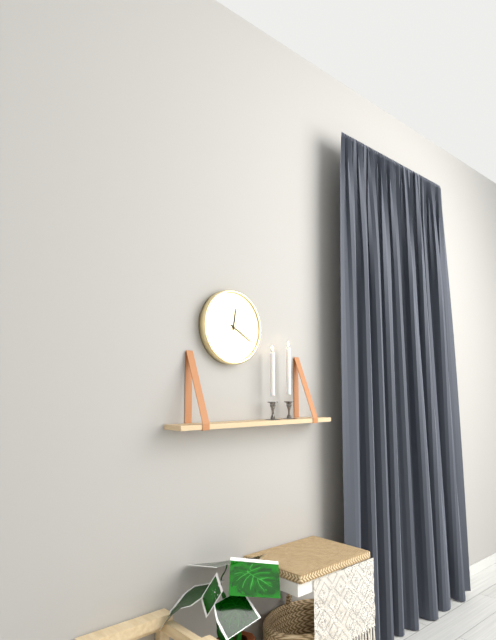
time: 12:20
